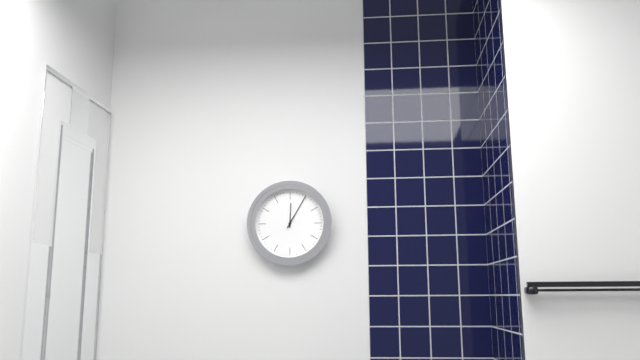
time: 12:05
